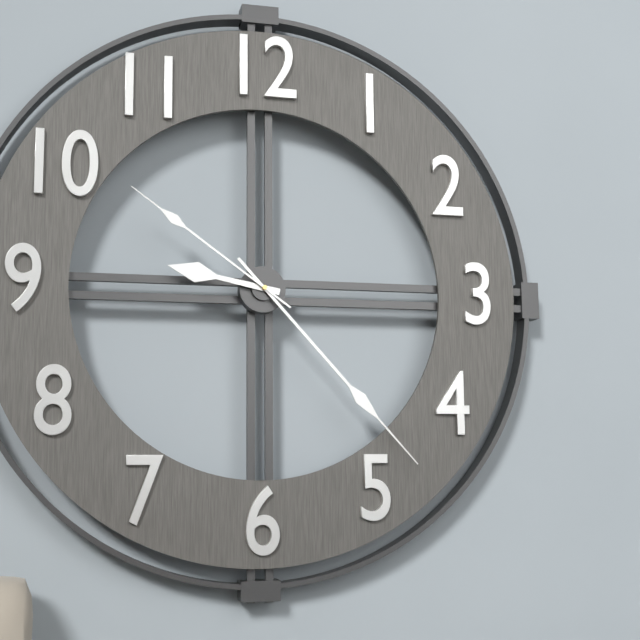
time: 9:23:51
